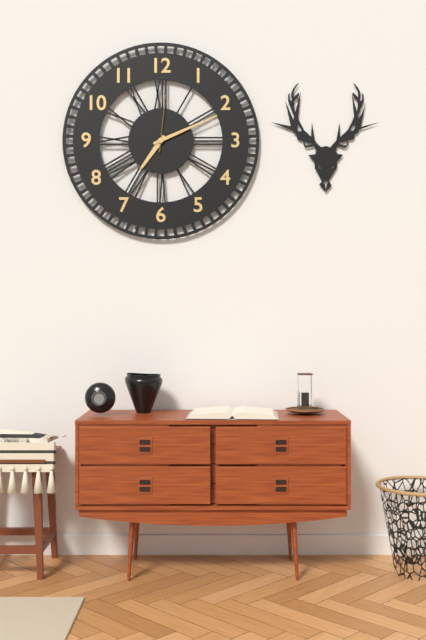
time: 7:11:01
